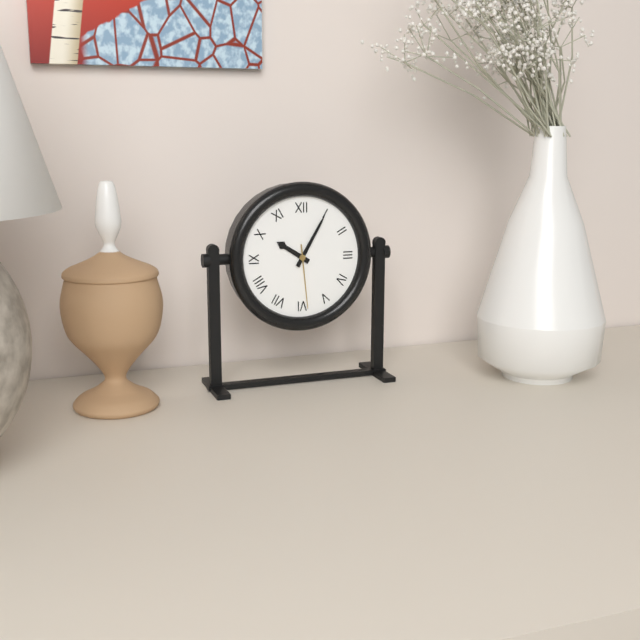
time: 10:05:29
